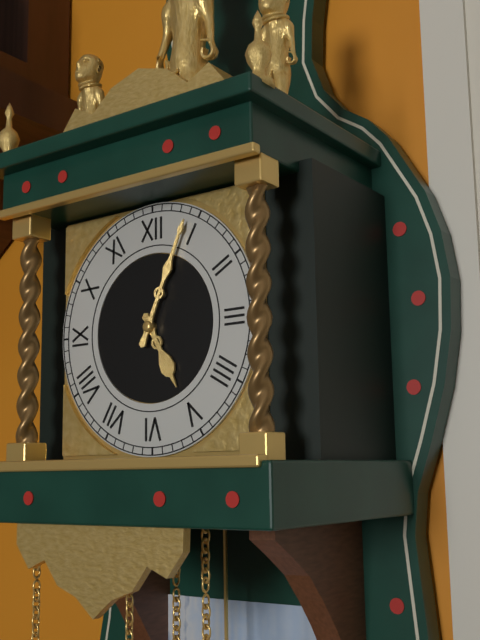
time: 5:04
